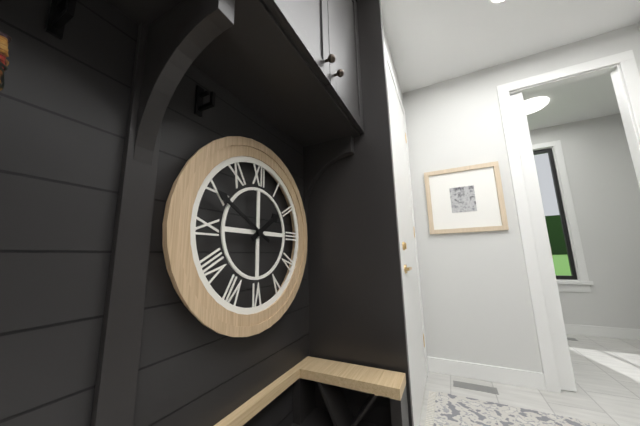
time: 1:50
